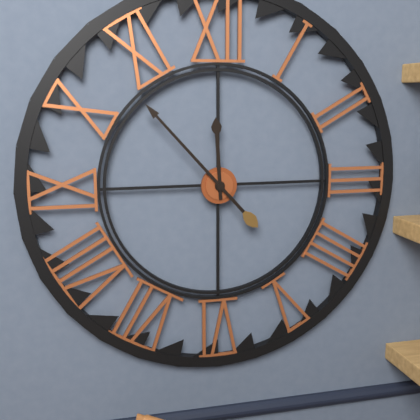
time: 11:53
